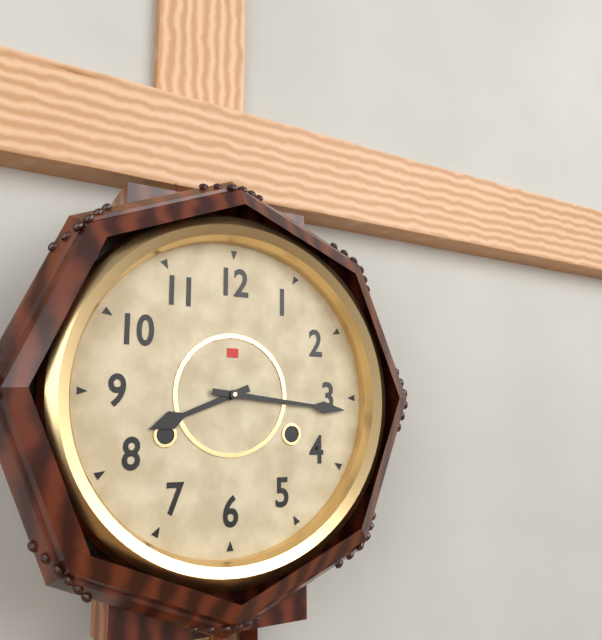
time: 8:16
